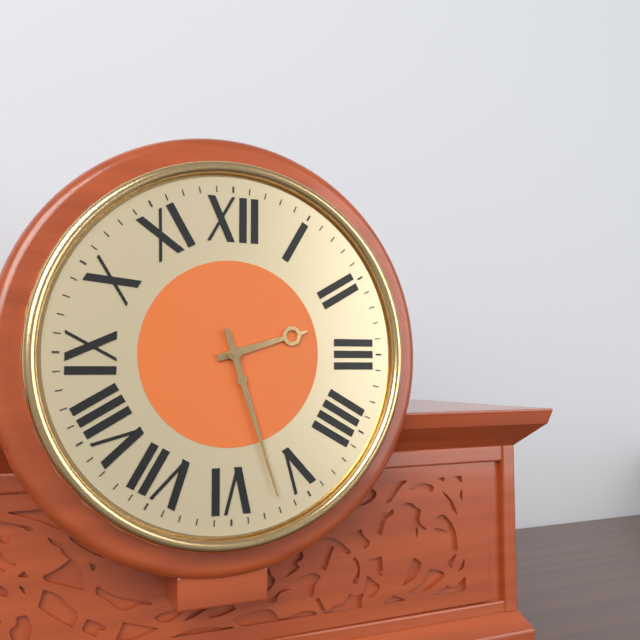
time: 2:27
